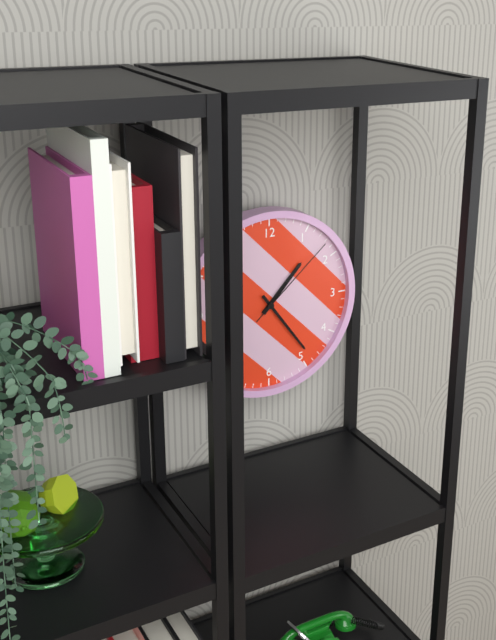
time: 1:24:08
